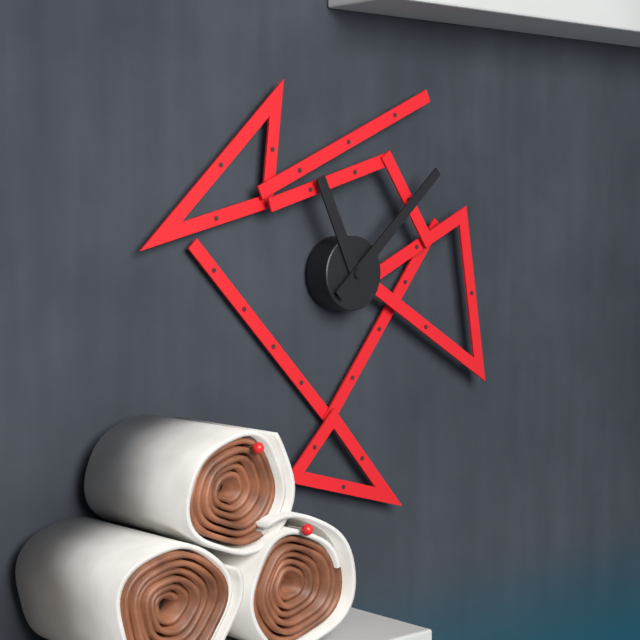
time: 11:08
